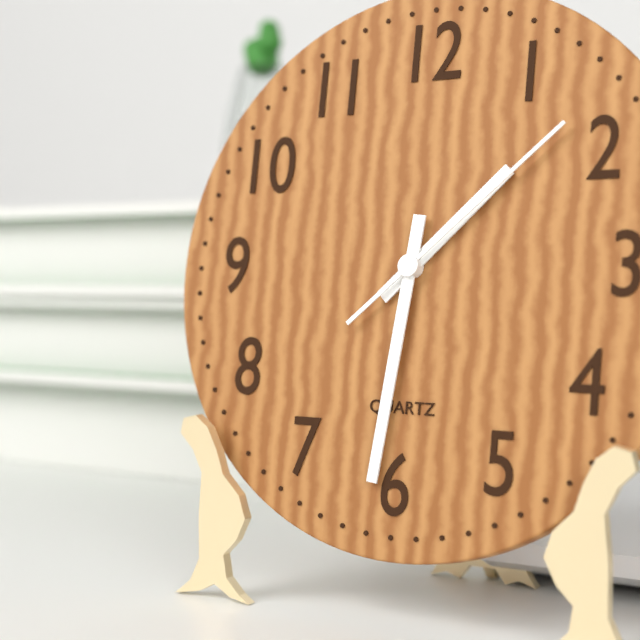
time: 1:31:08
